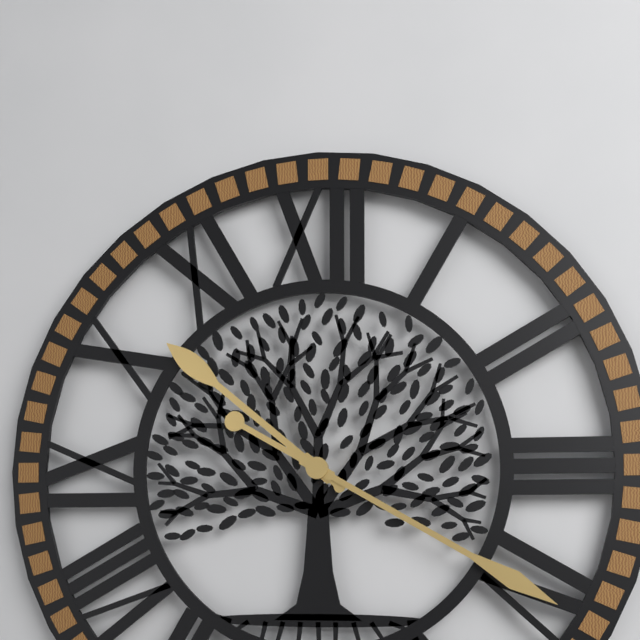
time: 10:20
